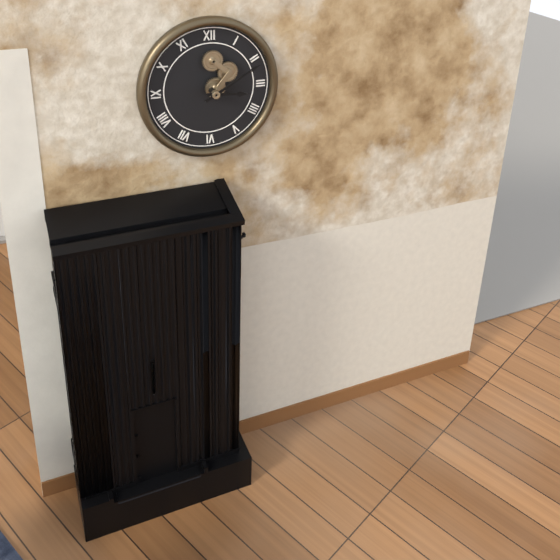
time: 3:10
